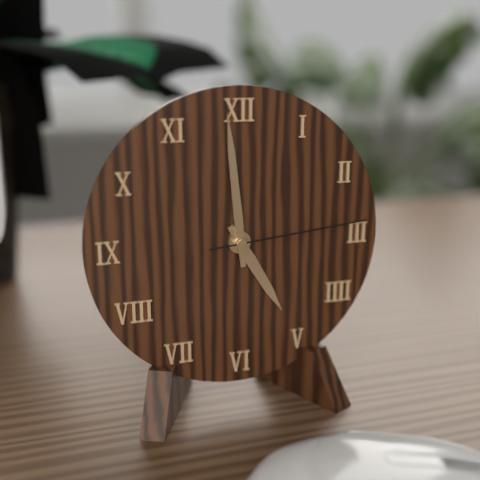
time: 4:59:14
